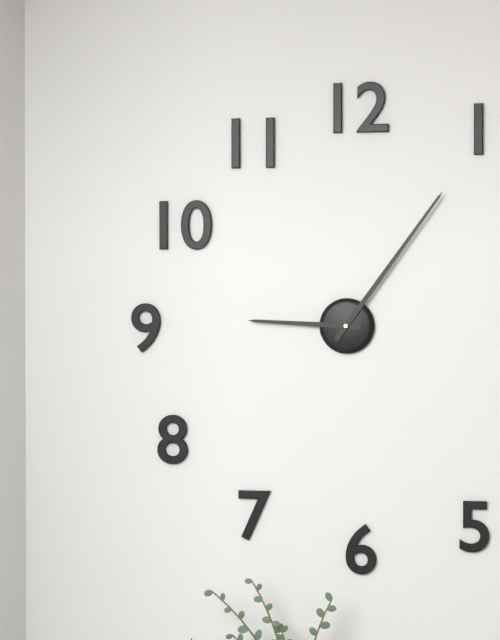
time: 9:06
